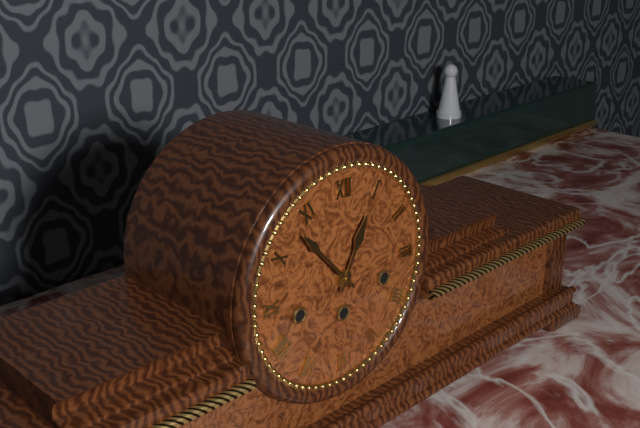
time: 12:53
